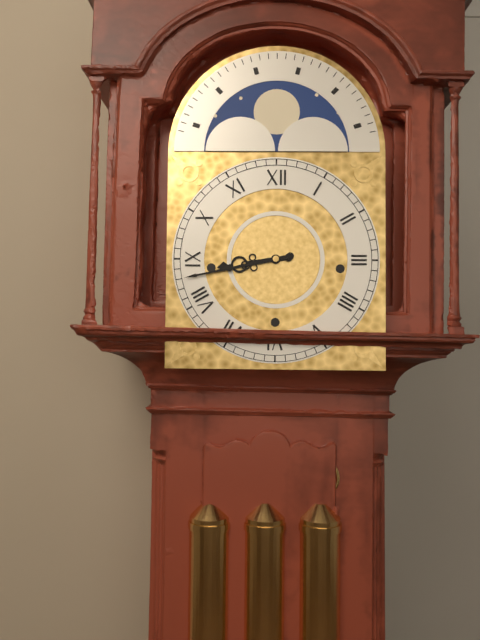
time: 8:43
